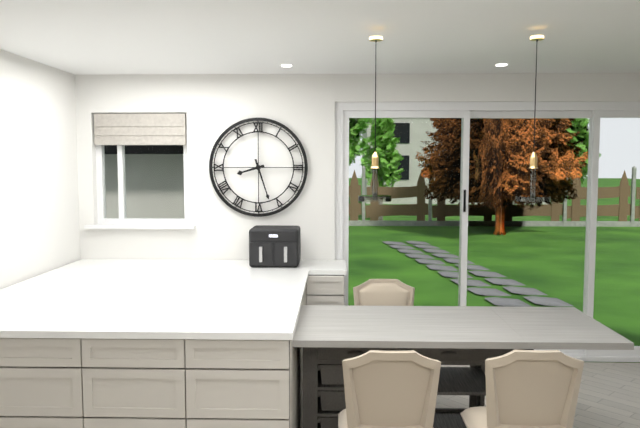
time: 8:27
